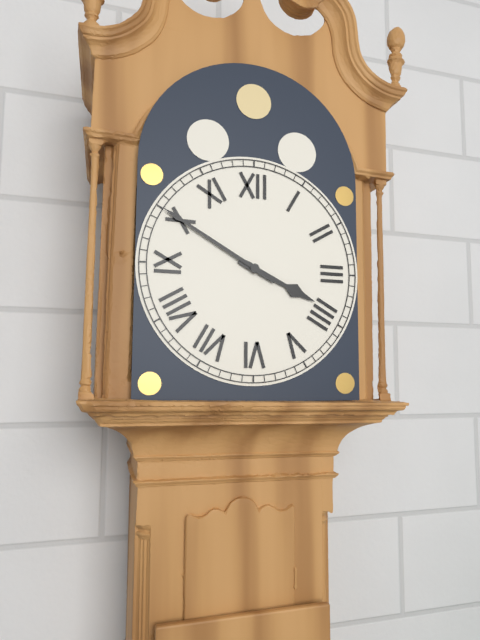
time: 3:50
